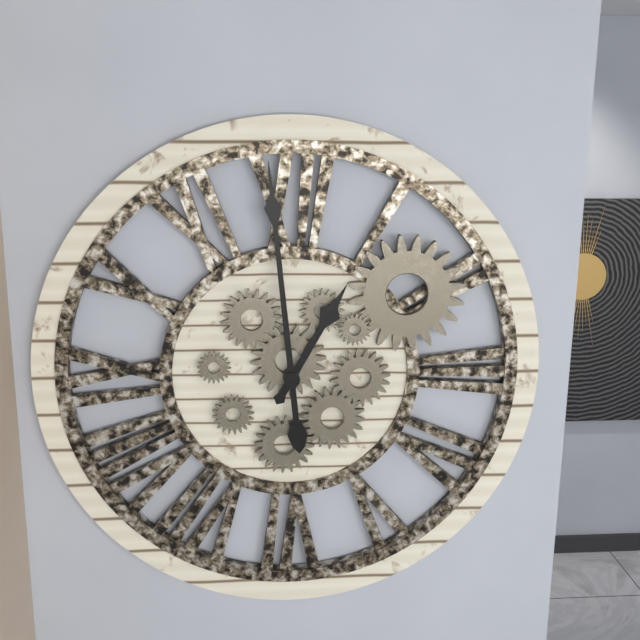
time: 12:59
